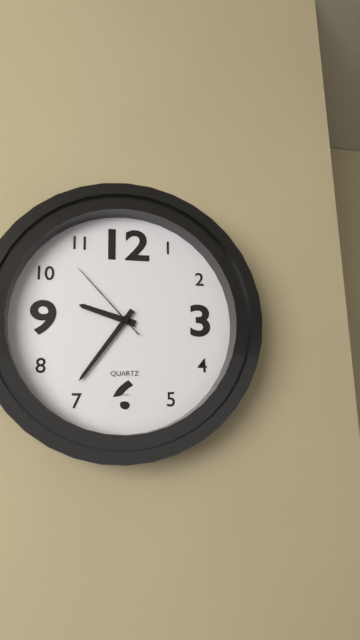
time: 9:36:53
